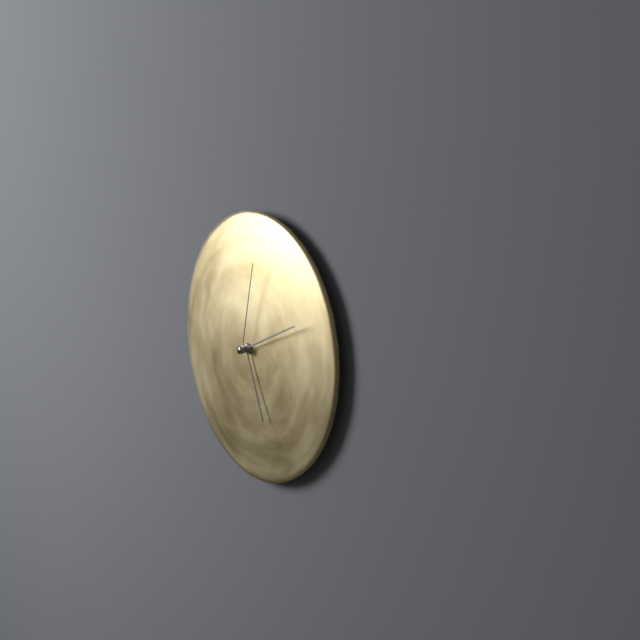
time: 5:11:02
